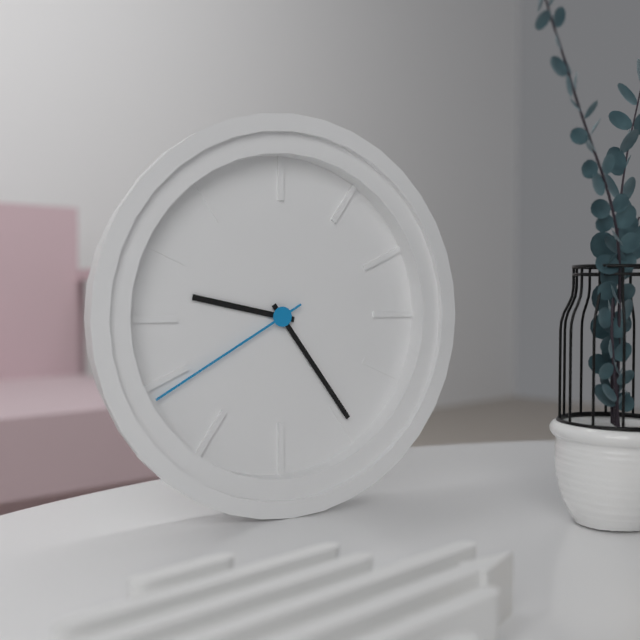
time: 9:24:40
